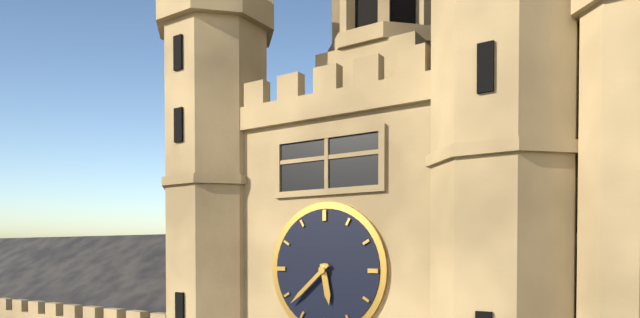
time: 5:38
